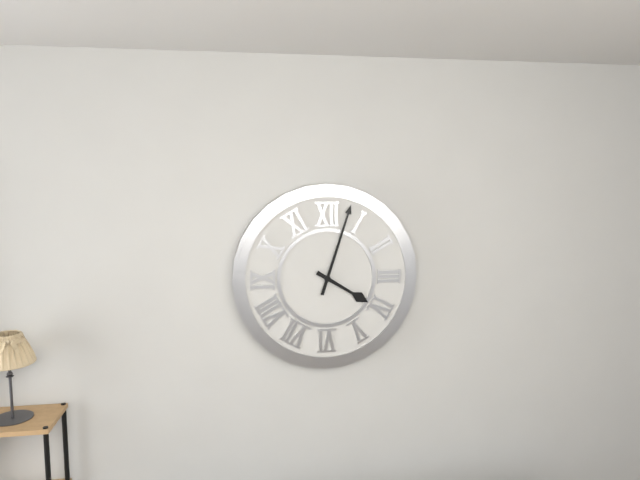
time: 4:03
